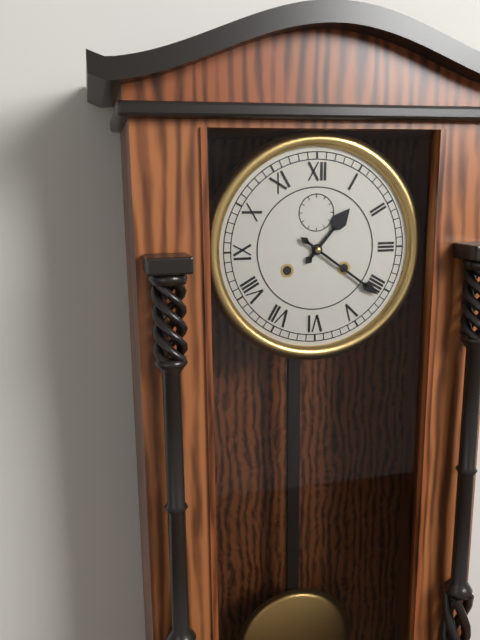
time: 1:21
